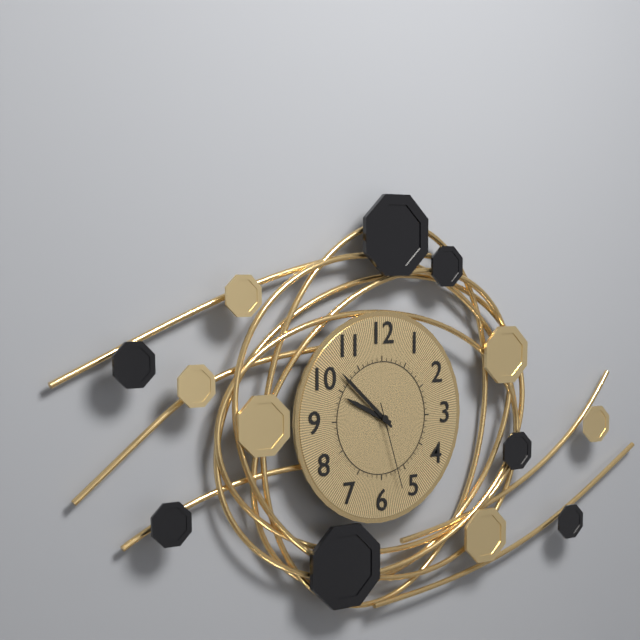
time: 9:52:27
